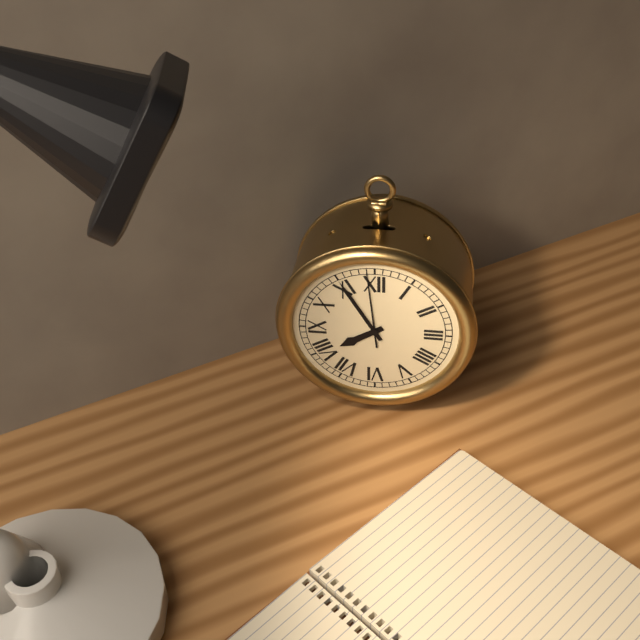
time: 7:55:59
